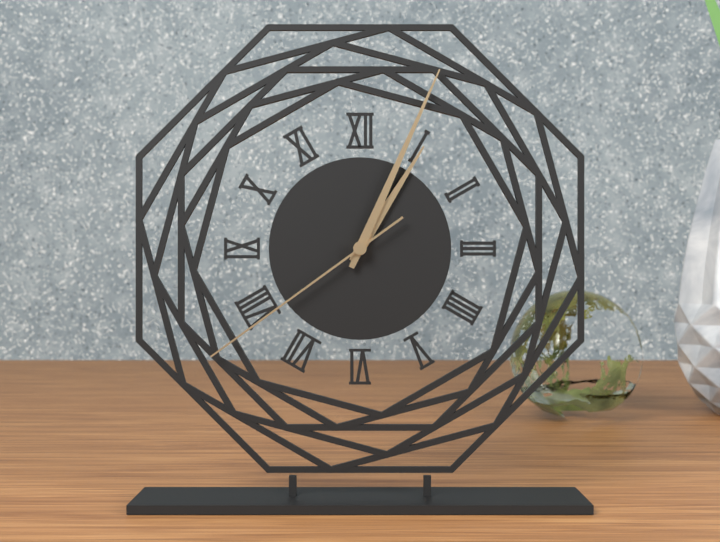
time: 1:04:39
